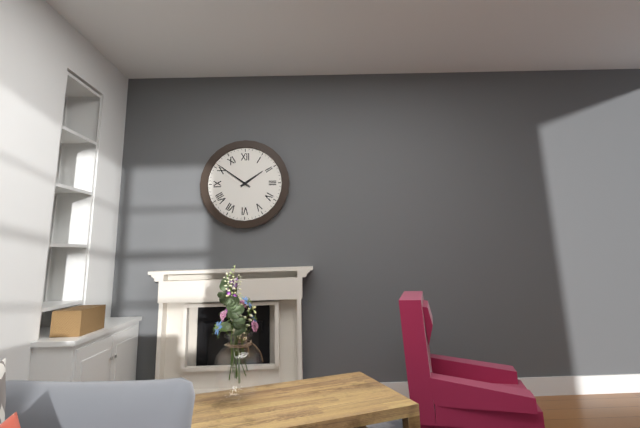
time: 1:51
